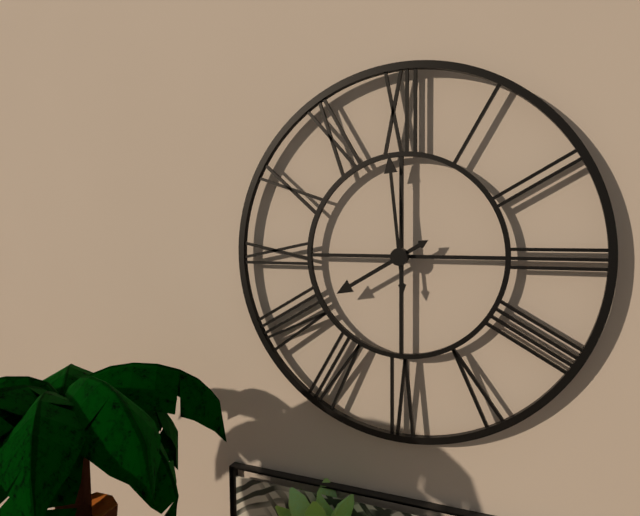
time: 7:59
